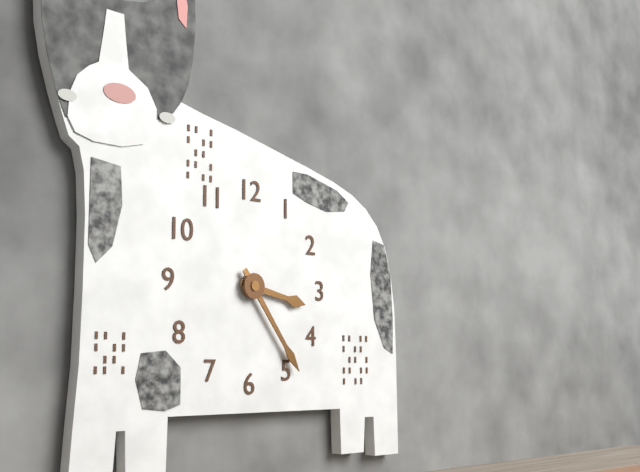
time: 3:24
